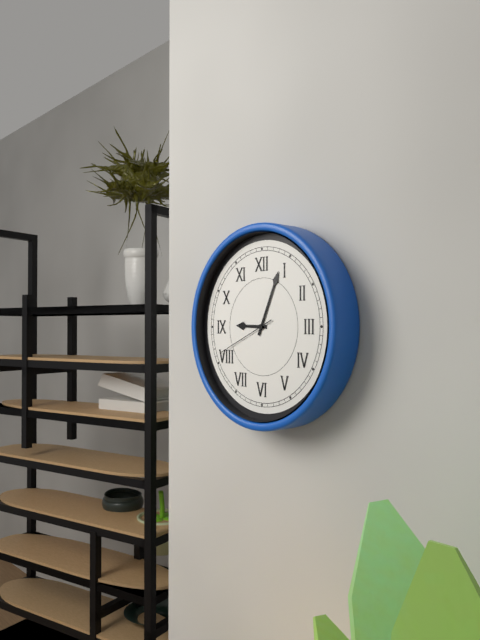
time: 9:04:41
